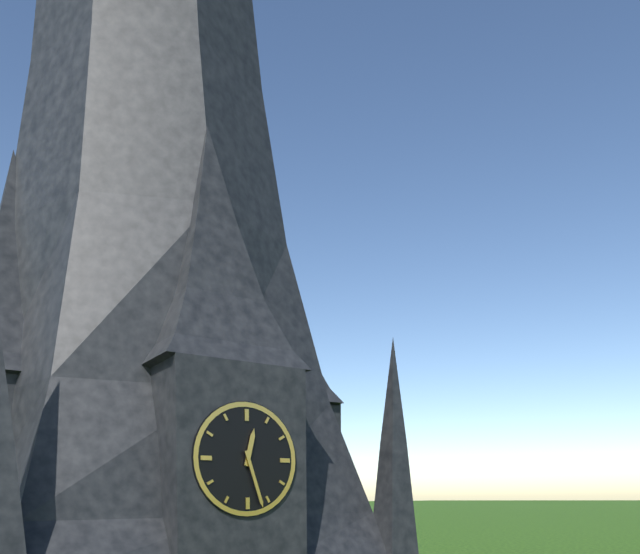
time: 12:27
